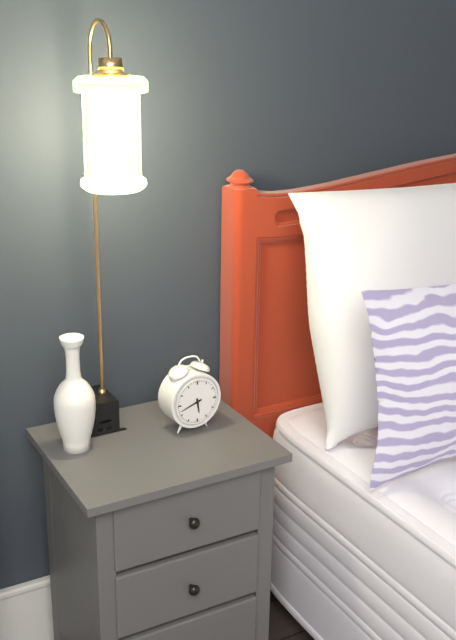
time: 5:42
